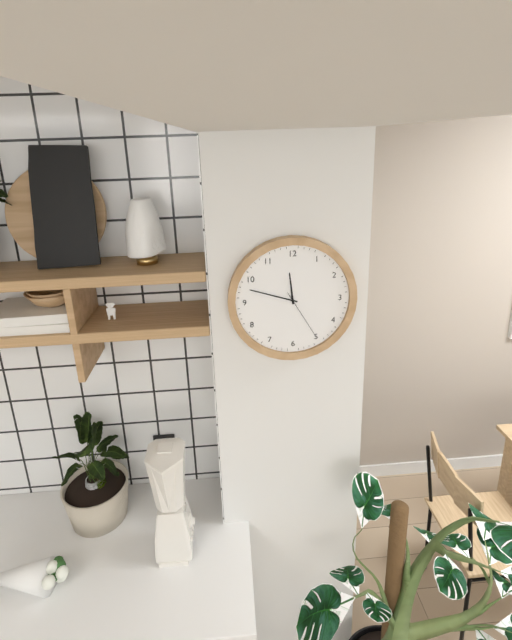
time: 11:48:25
